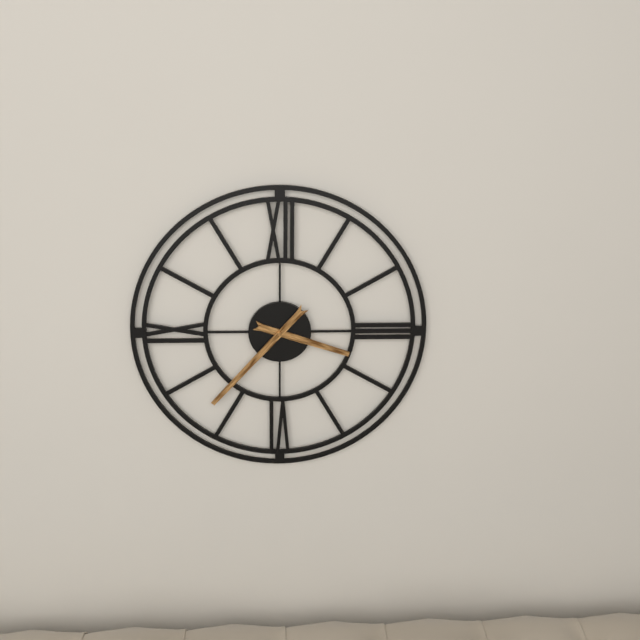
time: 3:37
